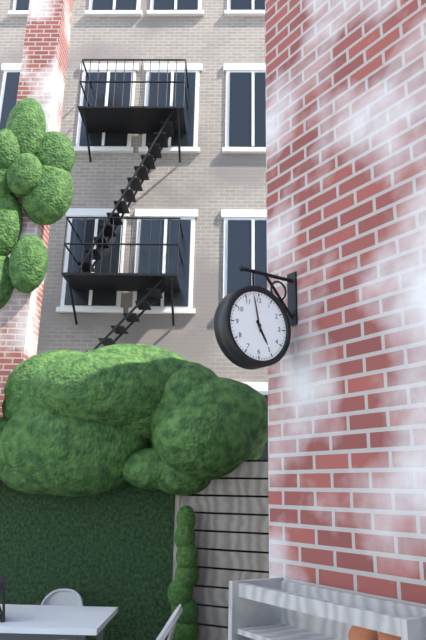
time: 4:58
